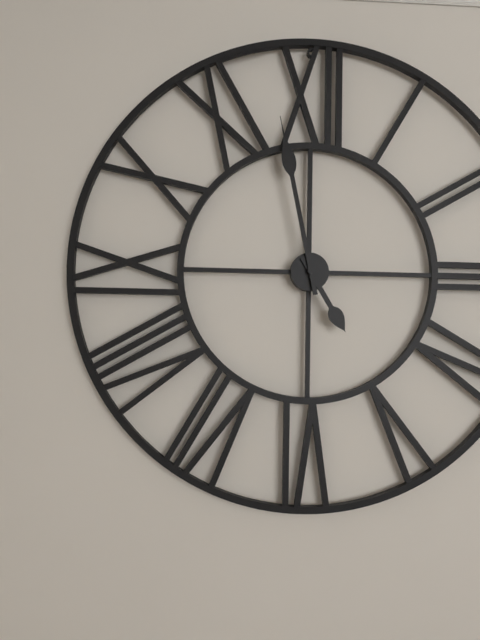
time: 4:58
